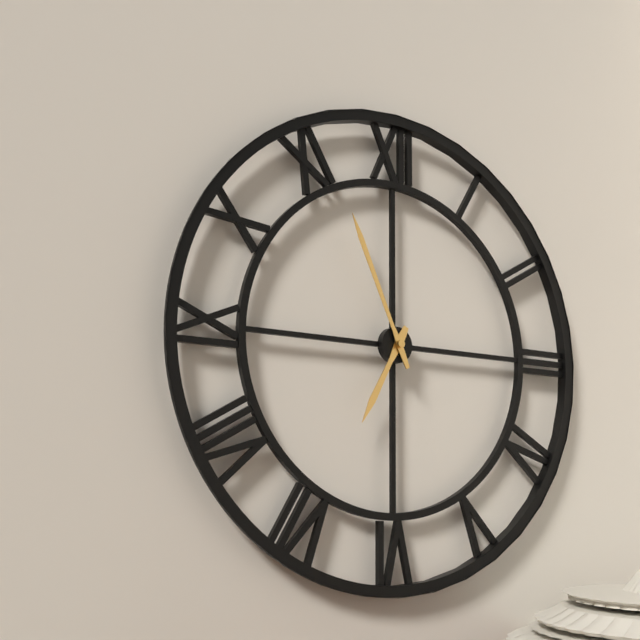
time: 6:56
